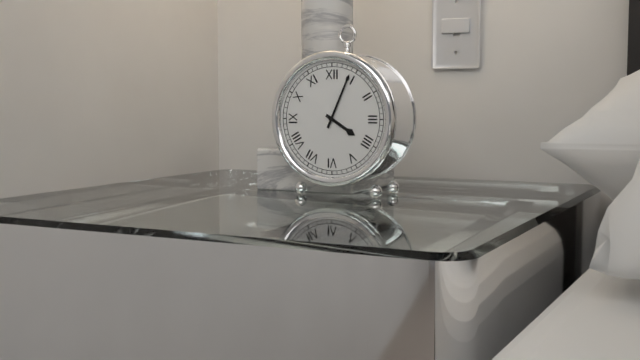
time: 4:04
